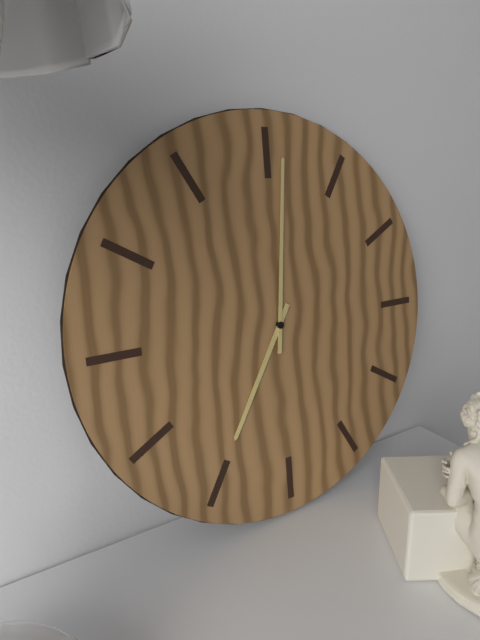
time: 7:01
